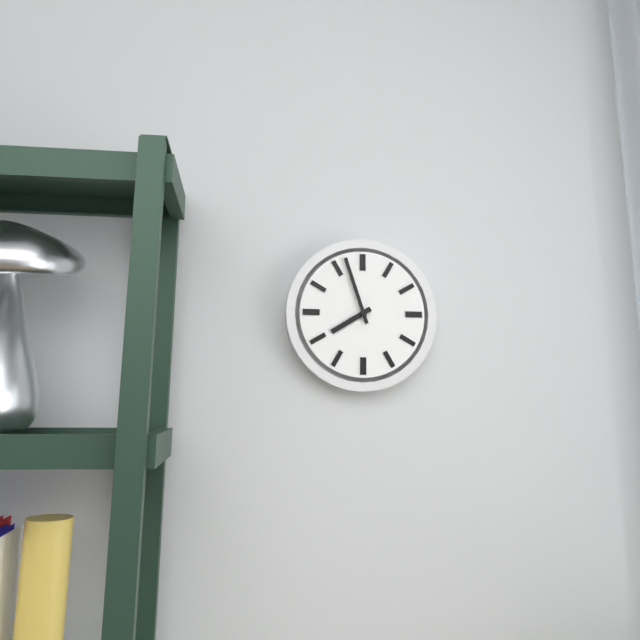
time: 7:57
